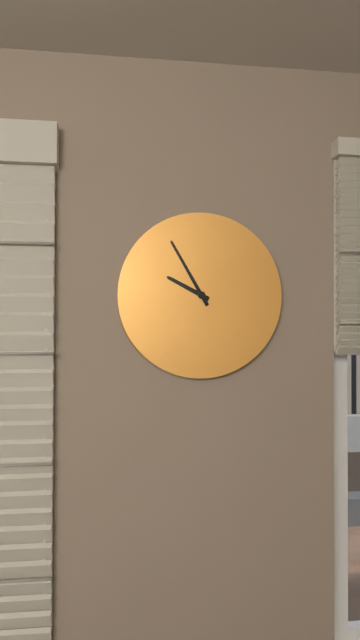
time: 9:55
